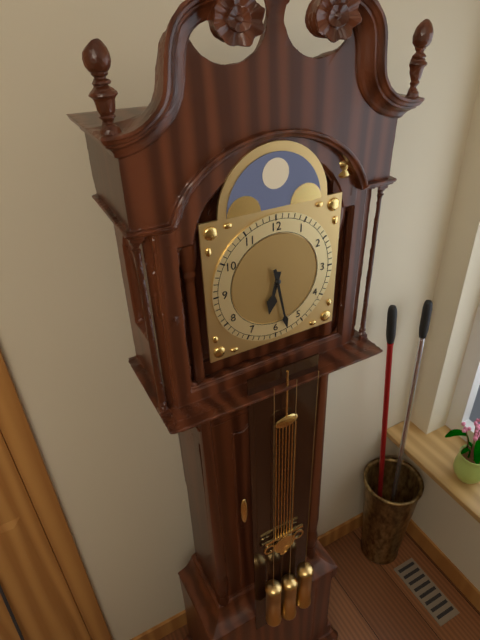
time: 6:28
